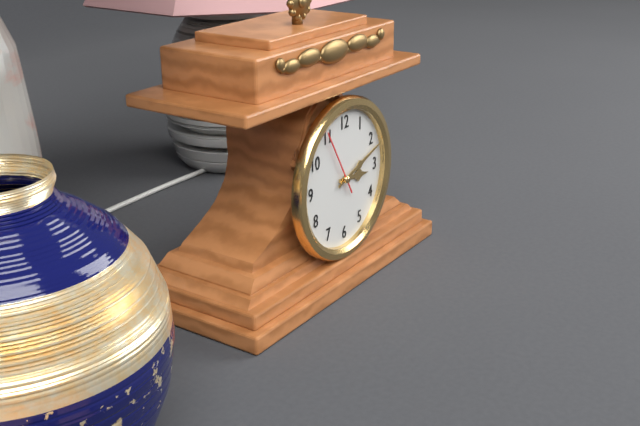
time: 3:12:55
